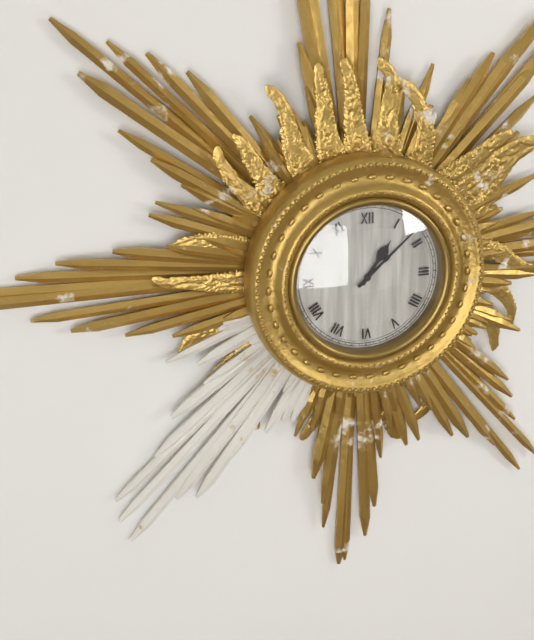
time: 1:08
